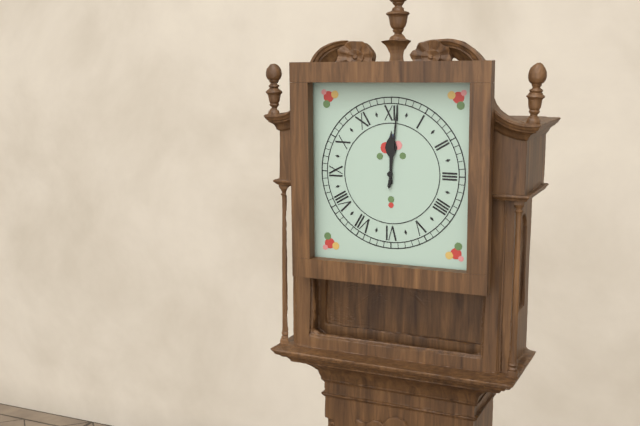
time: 12:01
